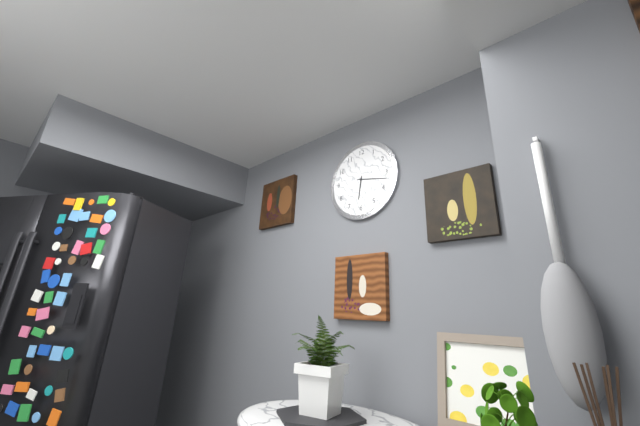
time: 6:17
